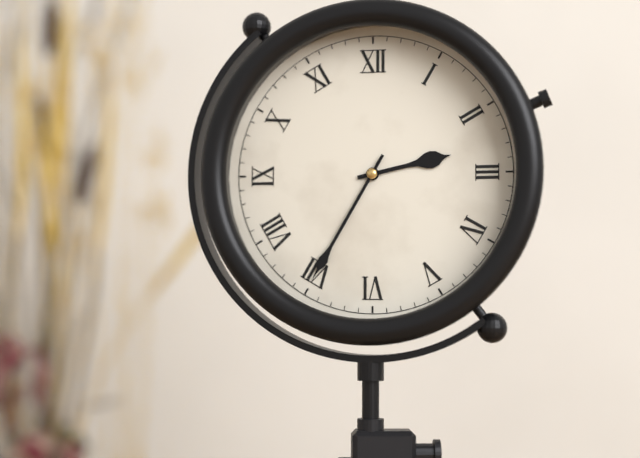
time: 2:35
